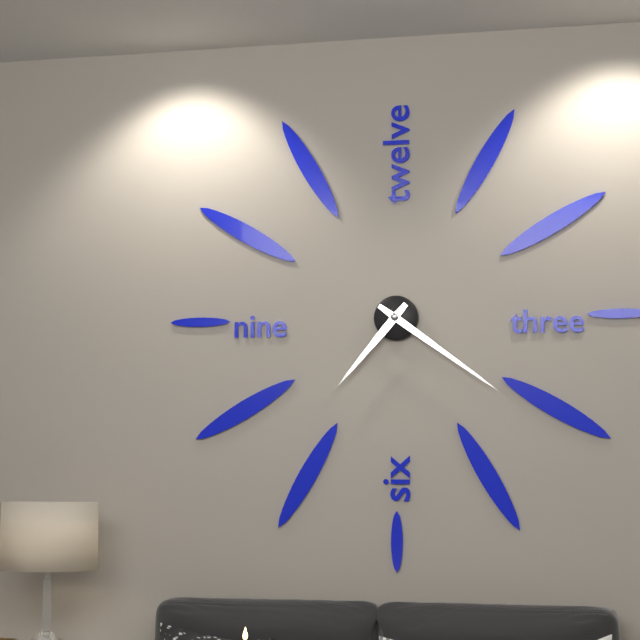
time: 7:21
